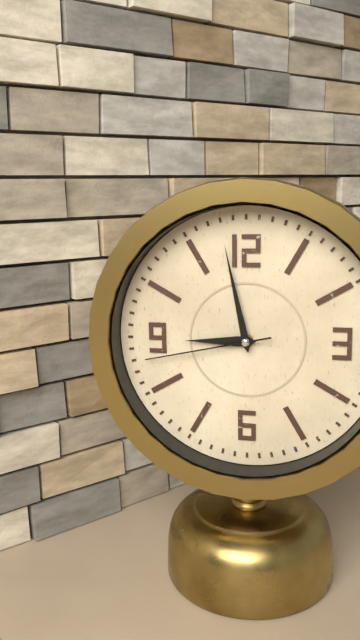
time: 8:58:43
